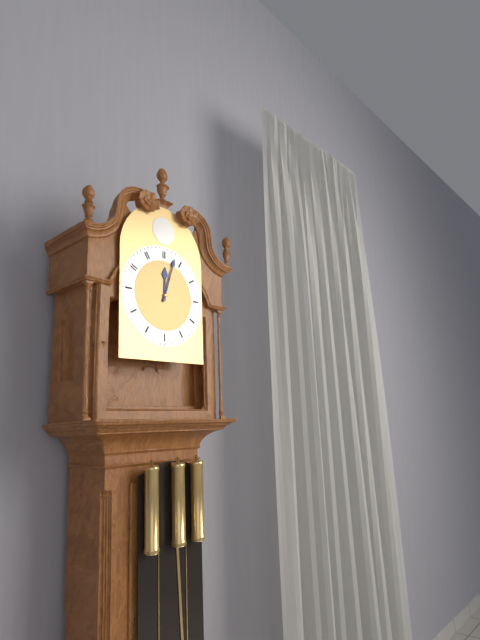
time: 12:03
